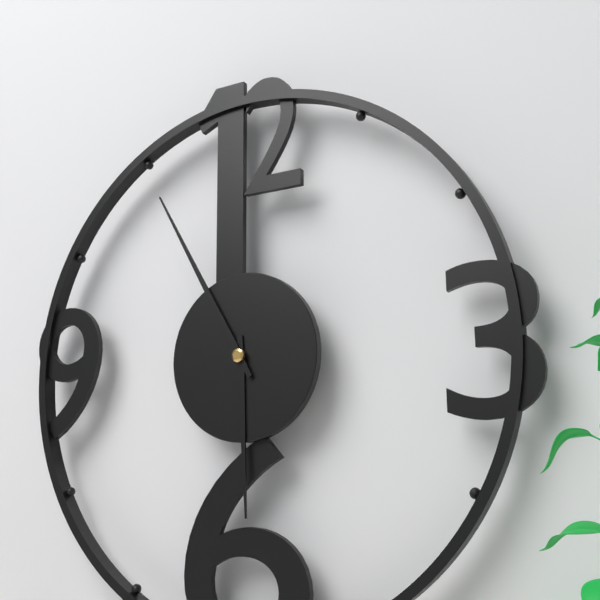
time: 5:55
